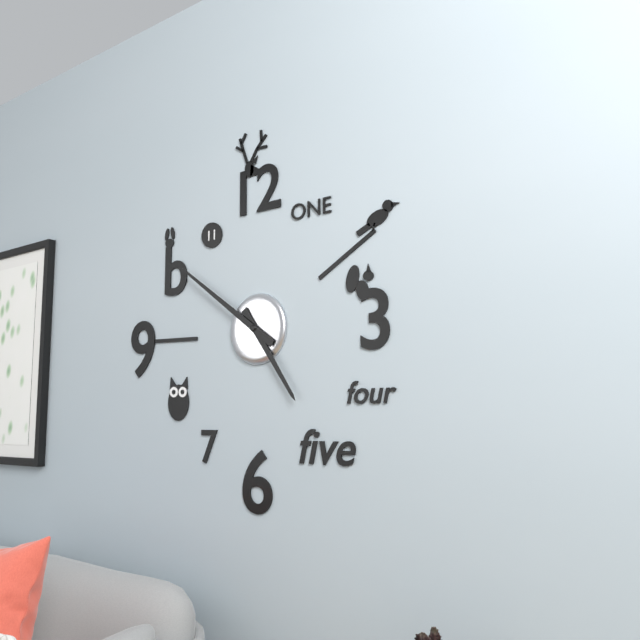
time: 4:51
